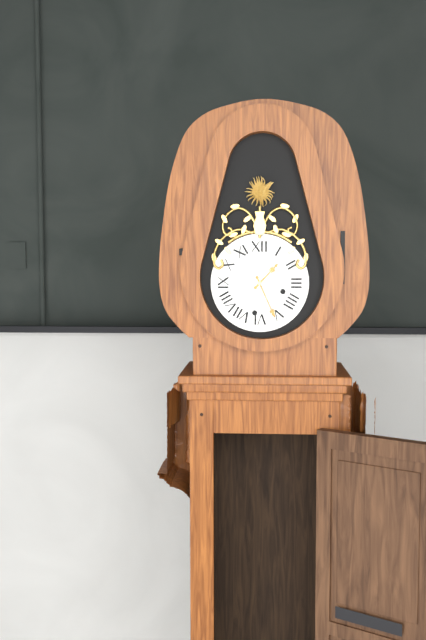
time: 1:26
